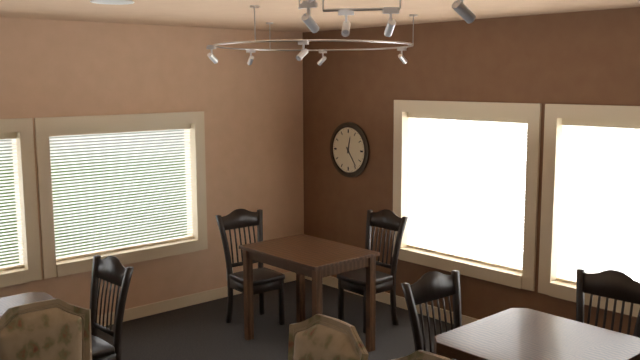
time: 12:24
